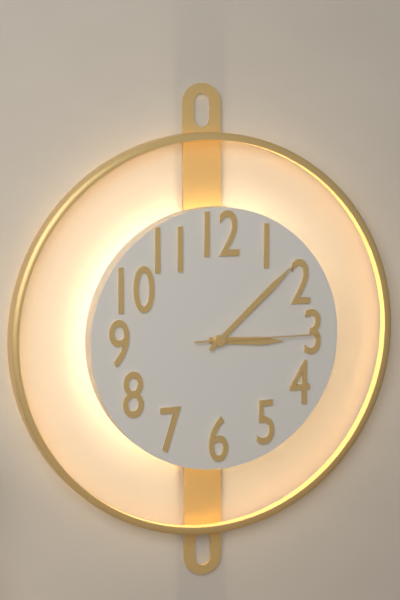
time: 3:08:15
